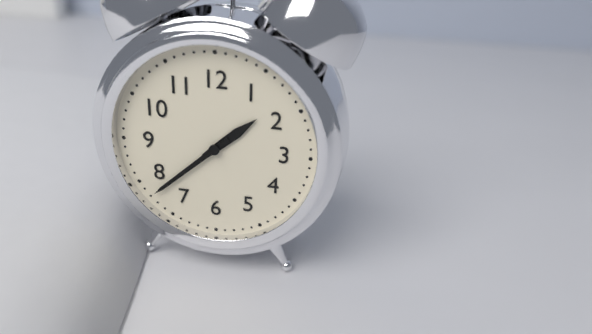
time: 1:38
